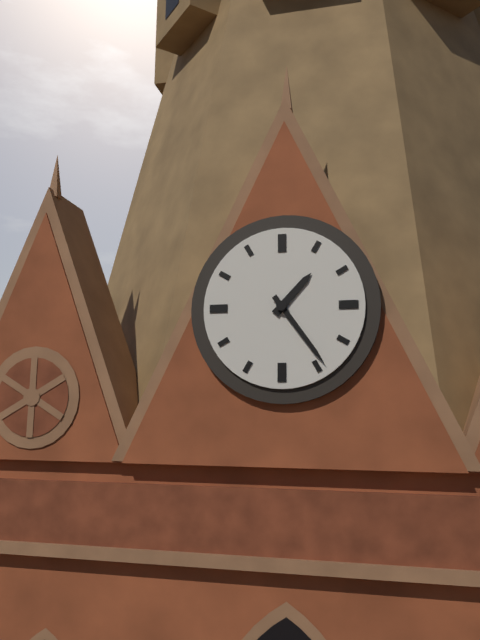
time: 1:24
